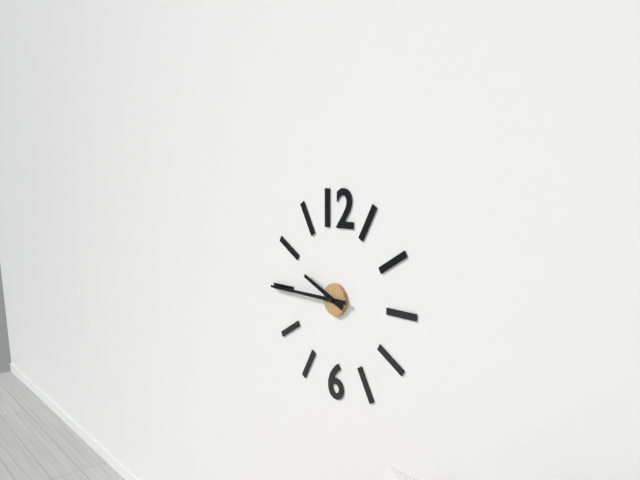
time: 9:45
